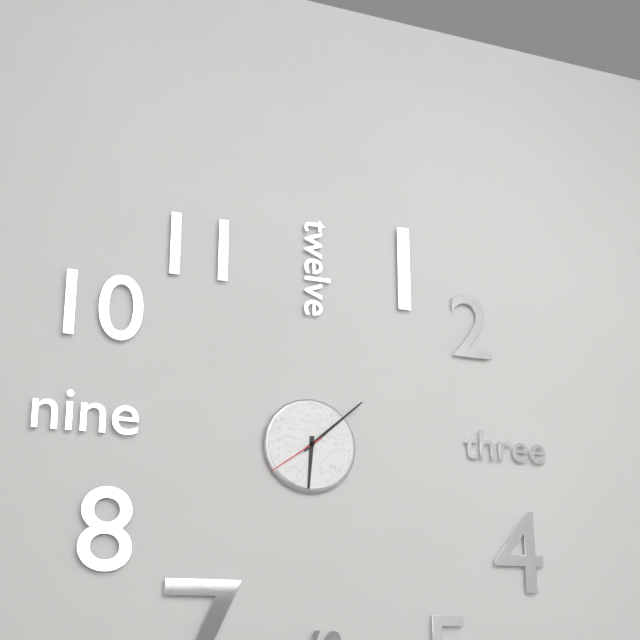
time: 6:08:39
